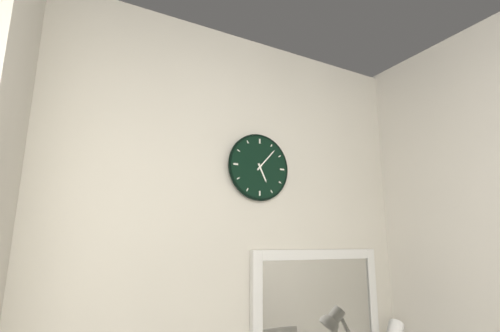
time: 5:07
